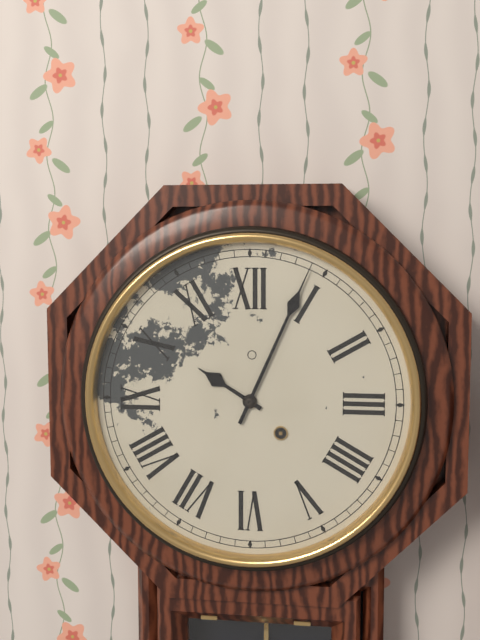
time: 10:04
